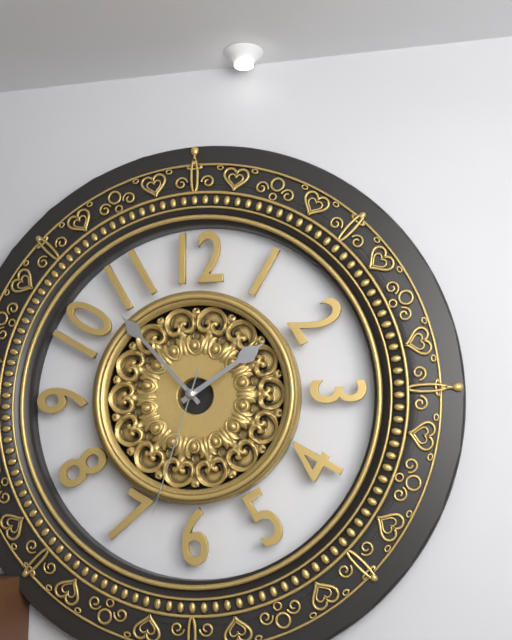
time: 1:53:33
